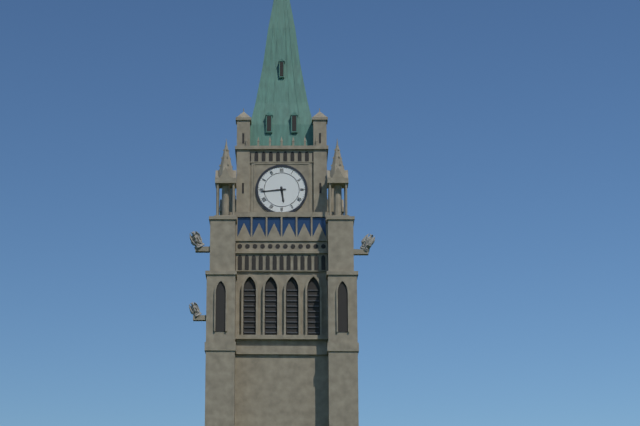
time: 5:44
